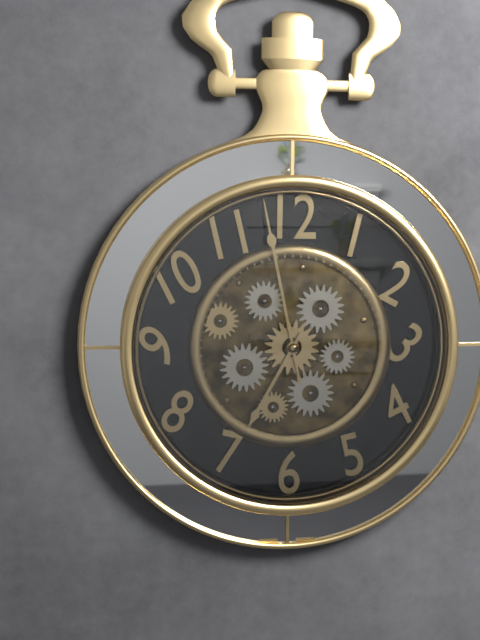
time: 6:58
